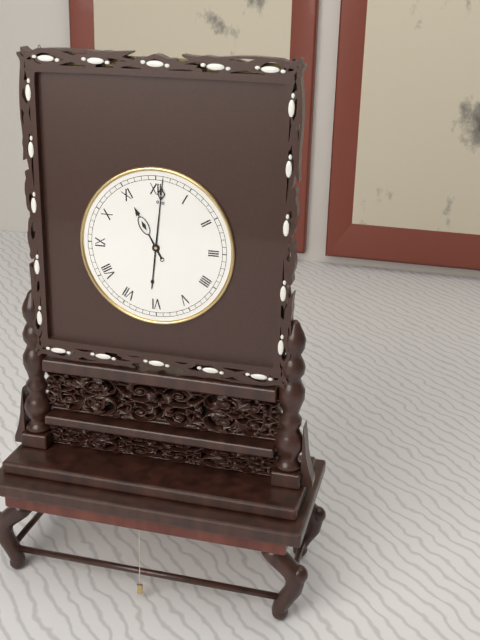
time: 11:01
